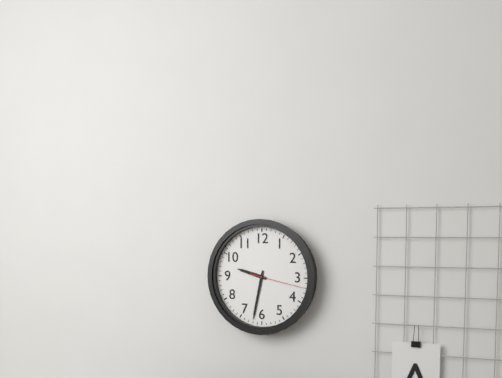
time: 9:32:17
